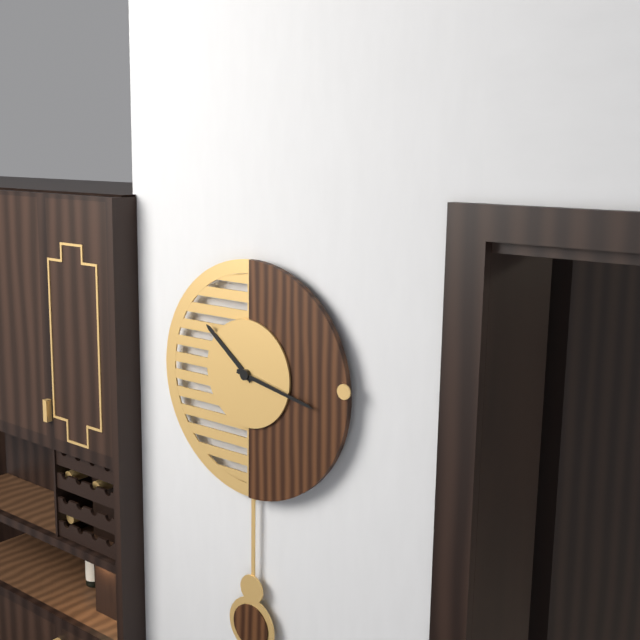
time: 10:17
